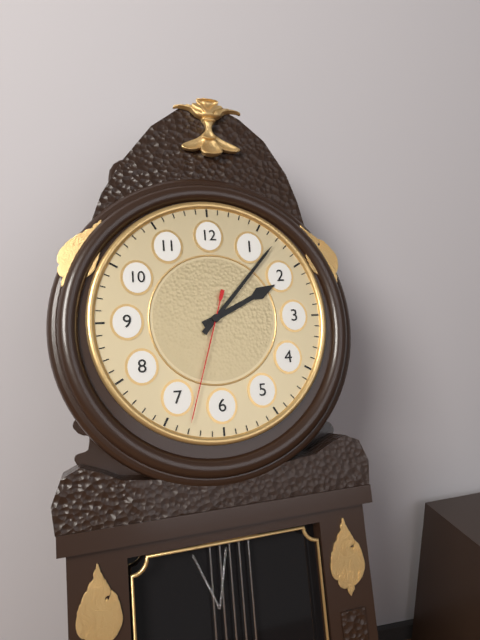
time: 2:07:33
